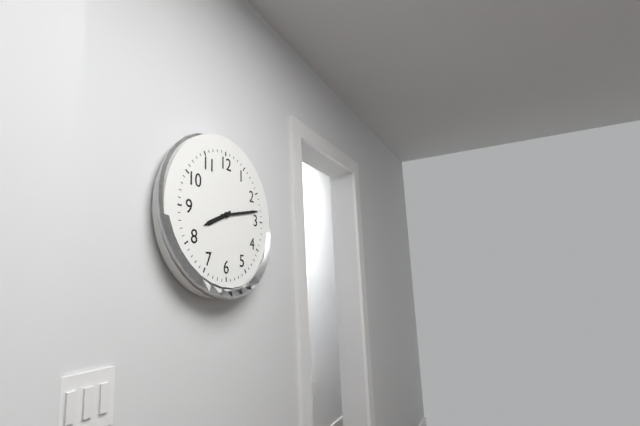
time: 8:13
